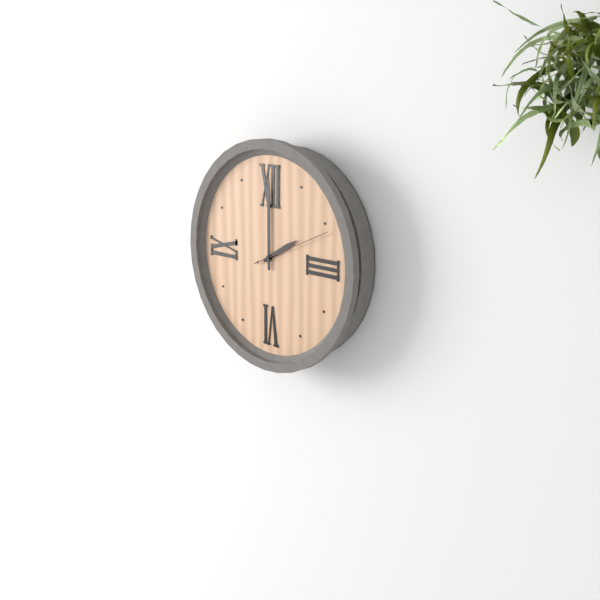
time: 2:00:11
